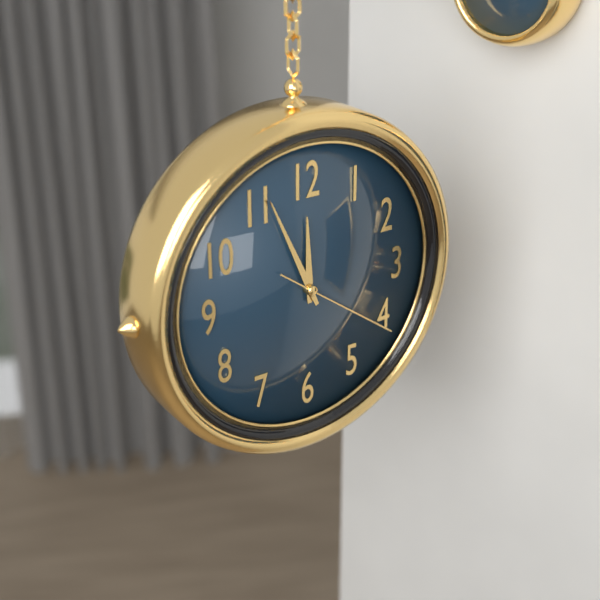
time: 11:56:21
